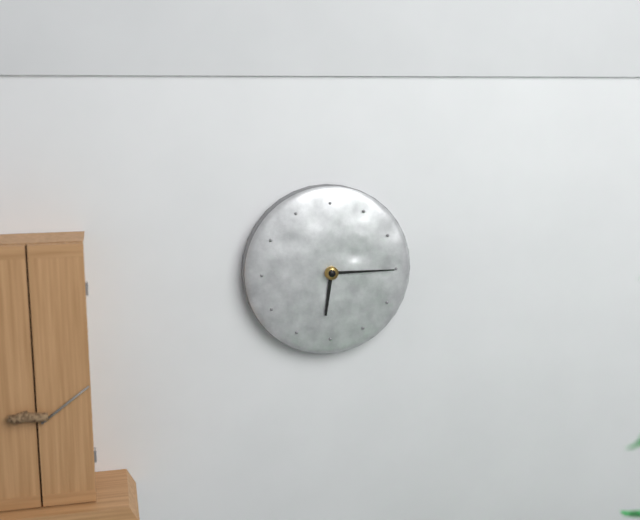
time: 6:15
